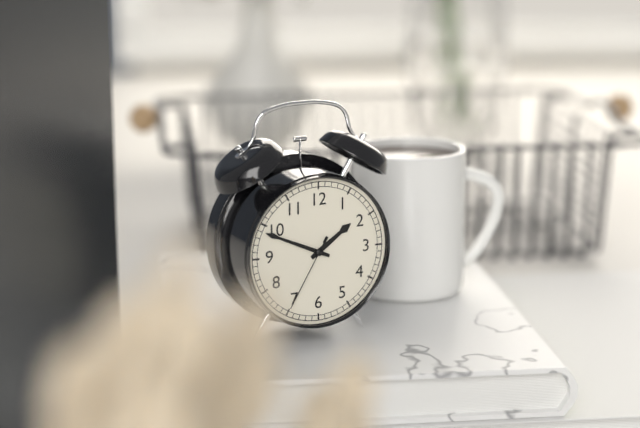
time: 1:49:35
